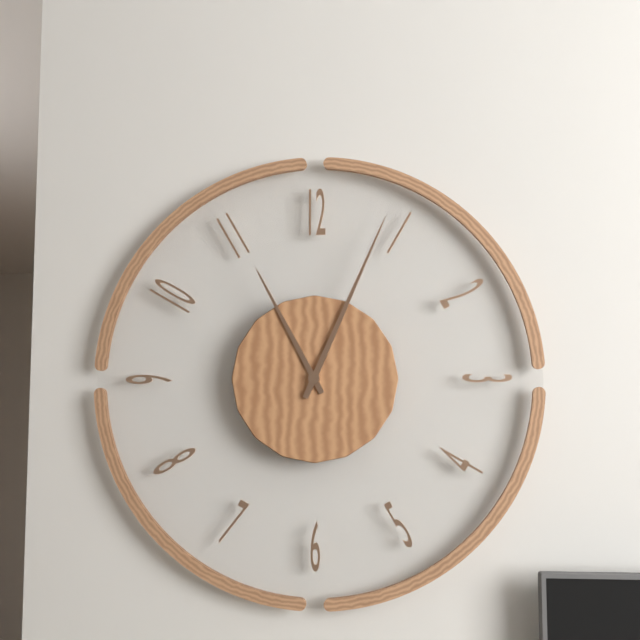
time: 11:04
